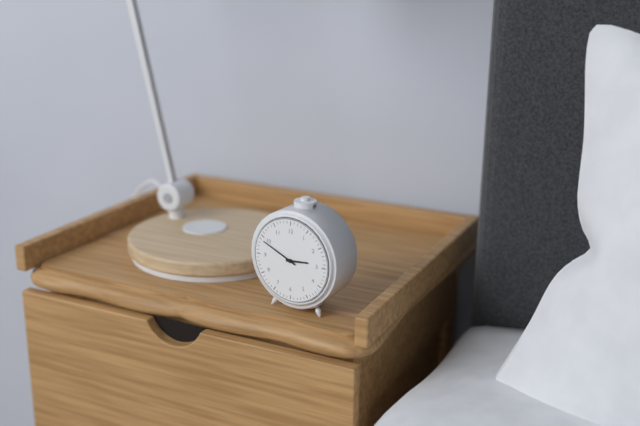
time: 2:49
